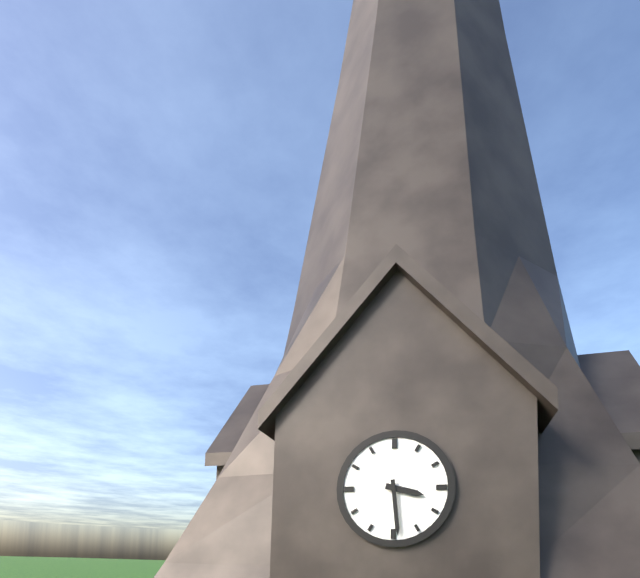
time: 3:29
